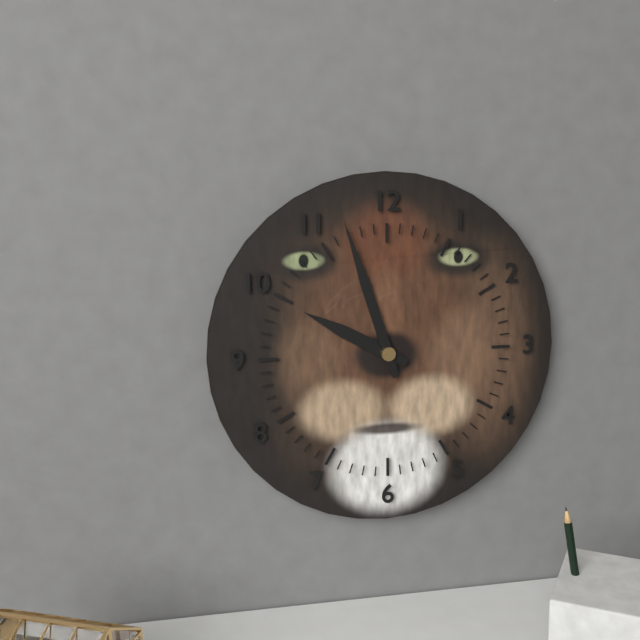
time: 9:57
